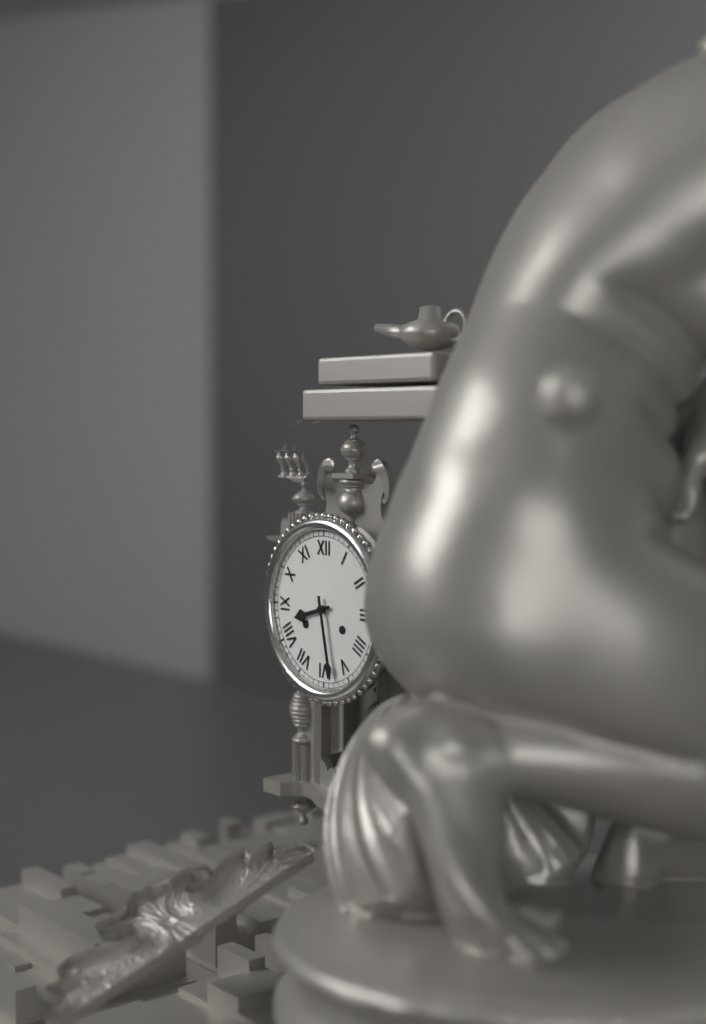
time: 8:28
